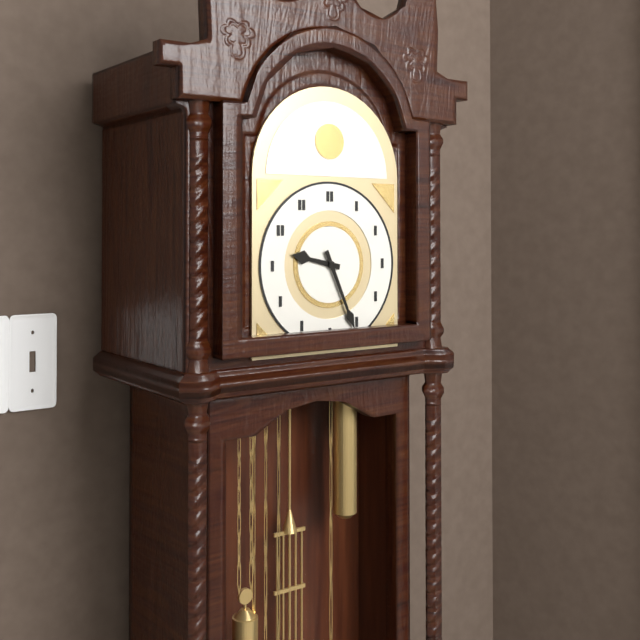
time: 9:26
